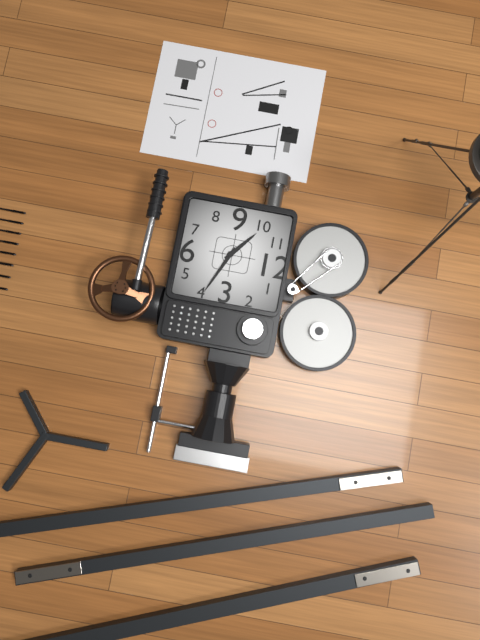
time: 10:19
